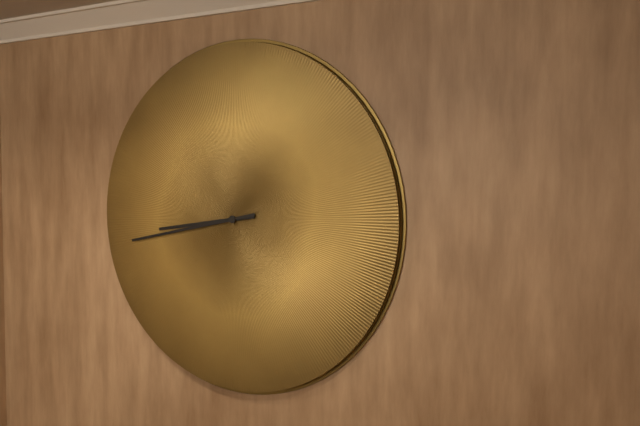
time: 8:43
